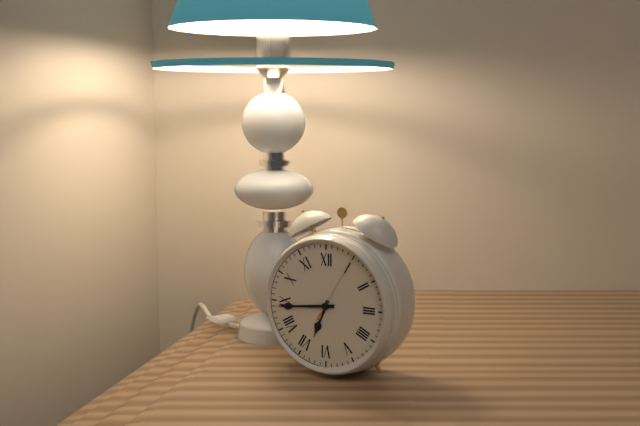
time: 6:44:05
